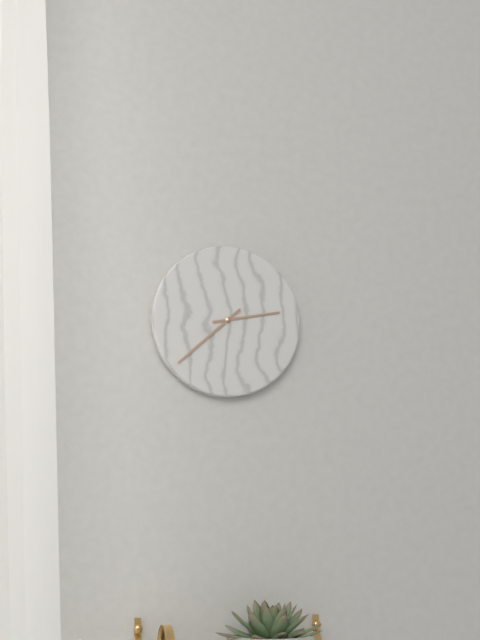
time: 2:38
